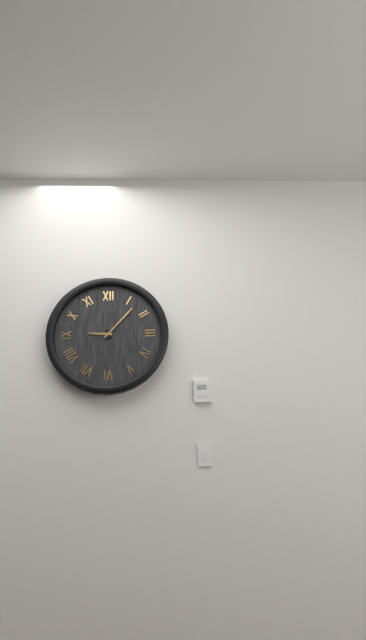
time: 9:07
